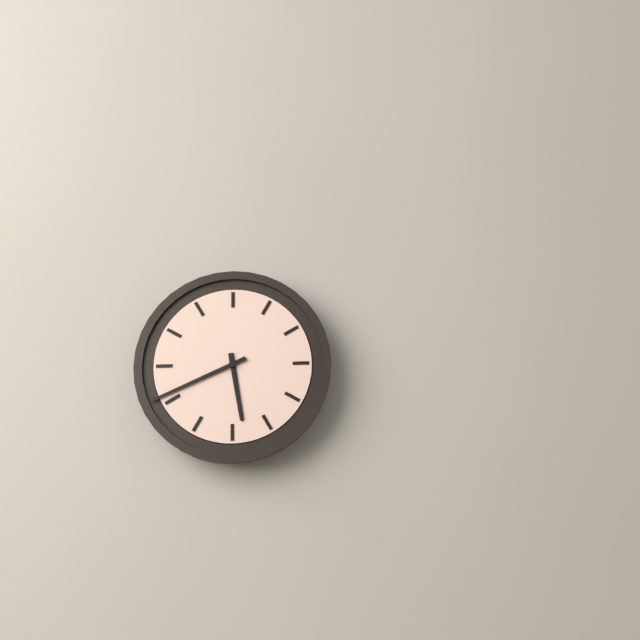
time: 5:41
